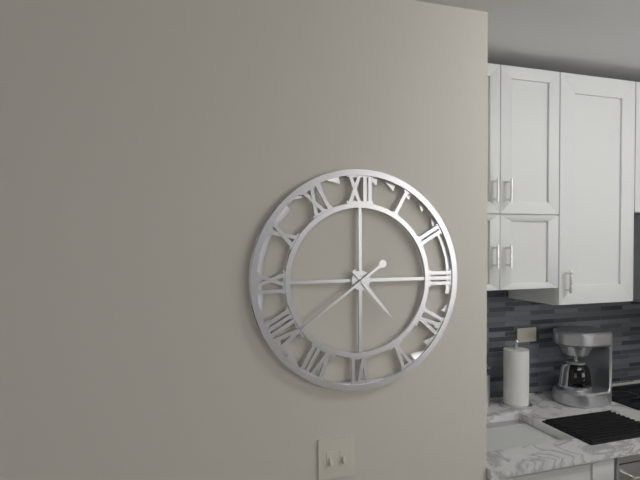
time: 4:39
